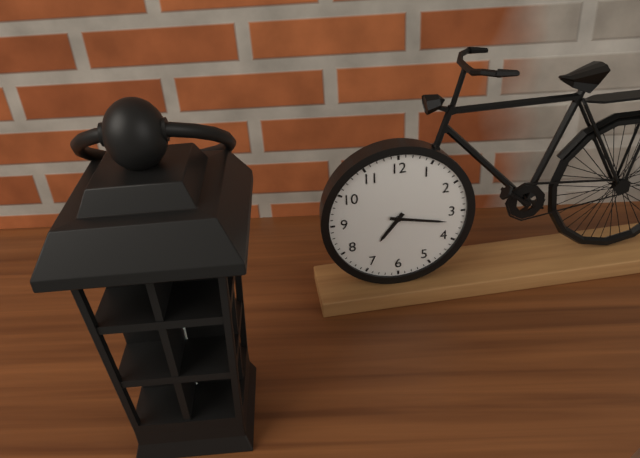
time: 7:17
